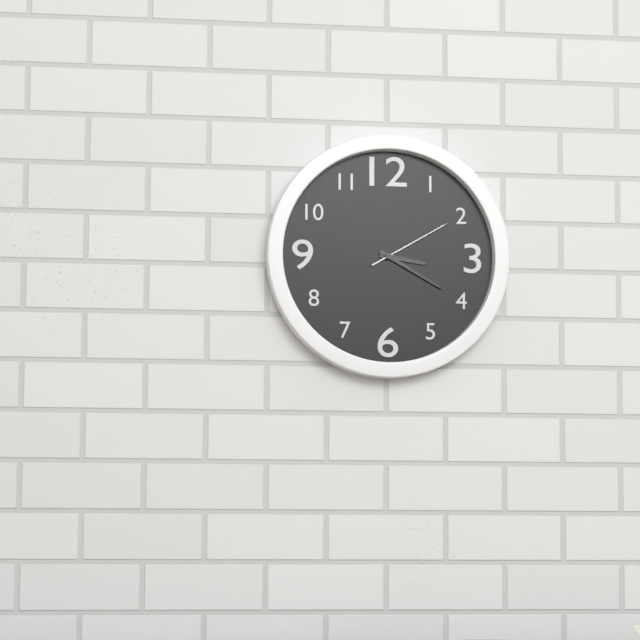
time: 3:20:10
